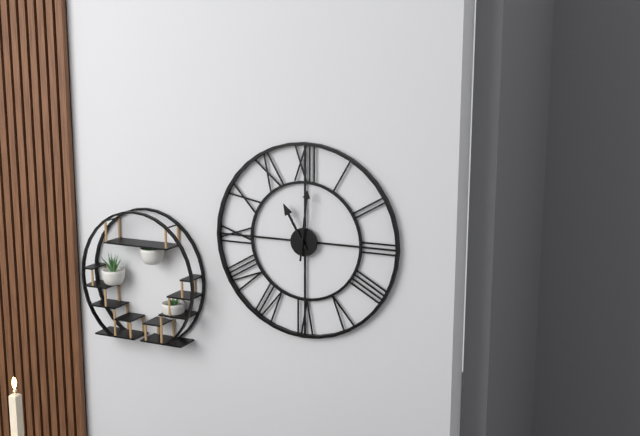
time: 11:01
